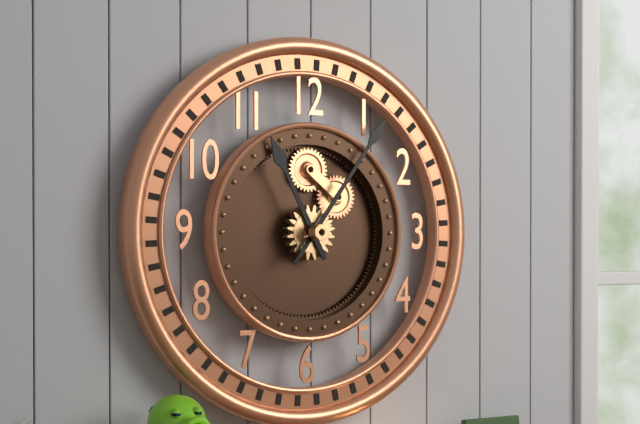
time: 11:06
